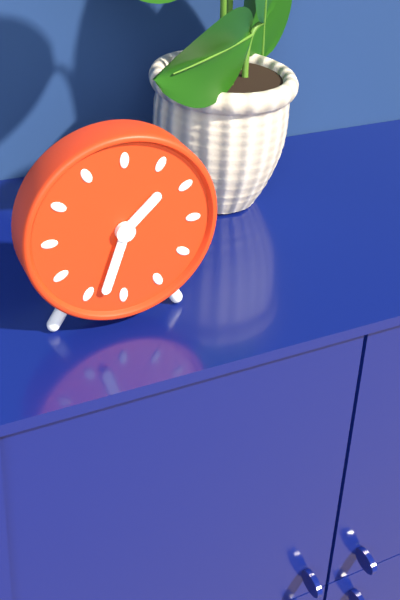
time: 1:33
